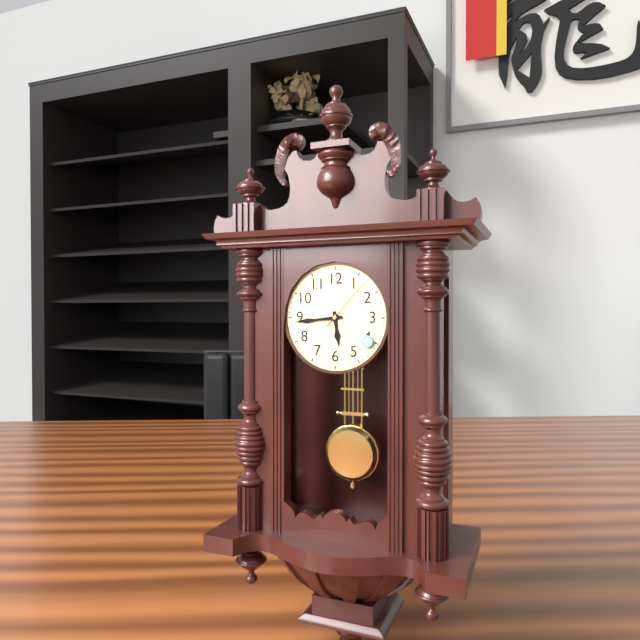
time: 5:44:07
